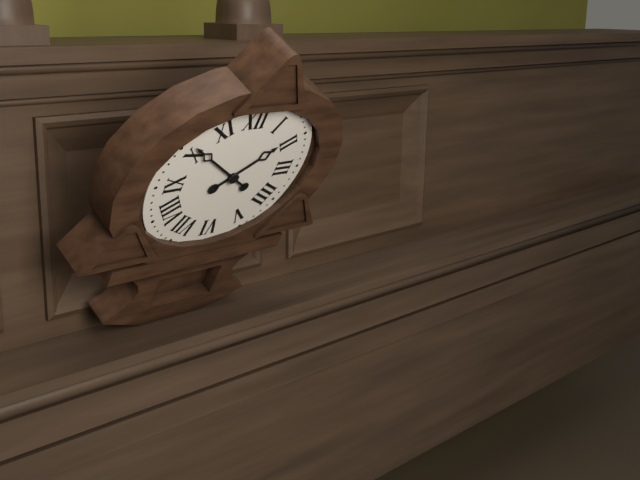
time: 1:51
